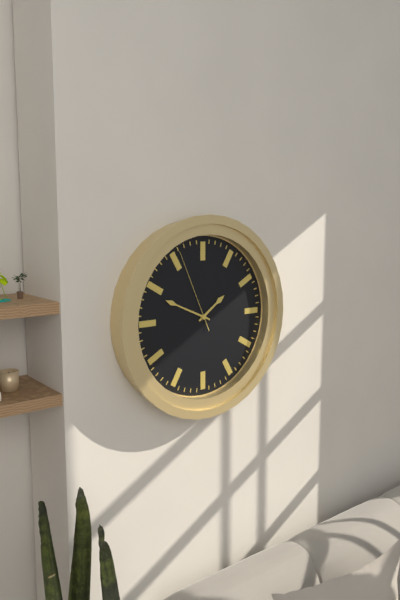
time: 1:49:56
